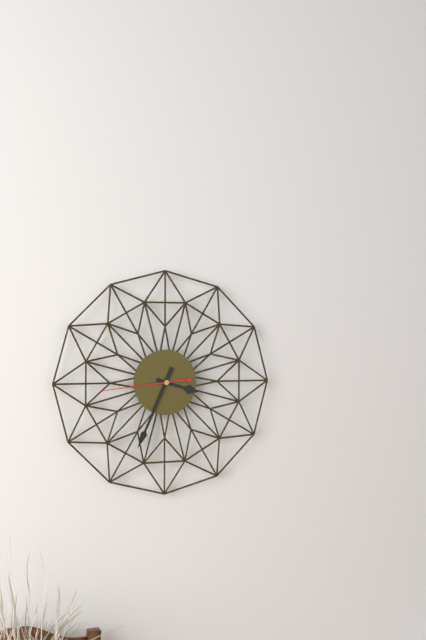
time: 3:34:44
